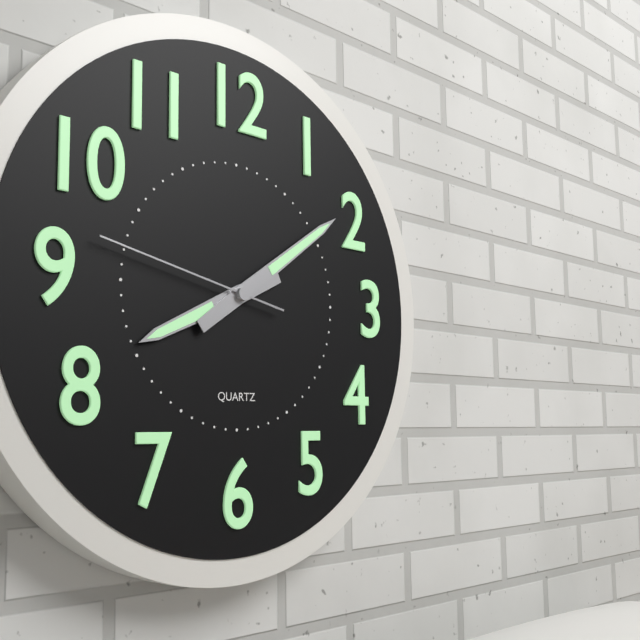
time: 8:09:47
